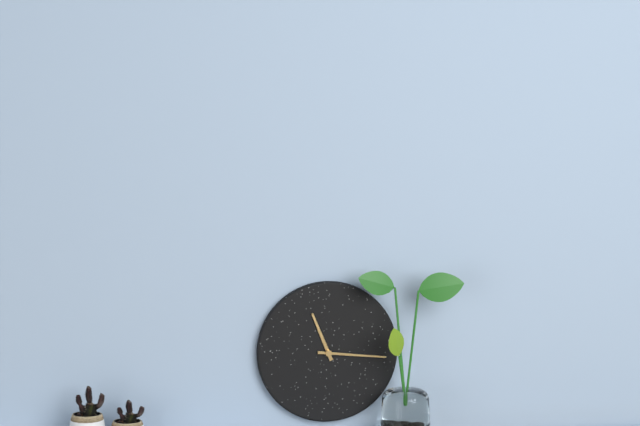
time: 11:16
